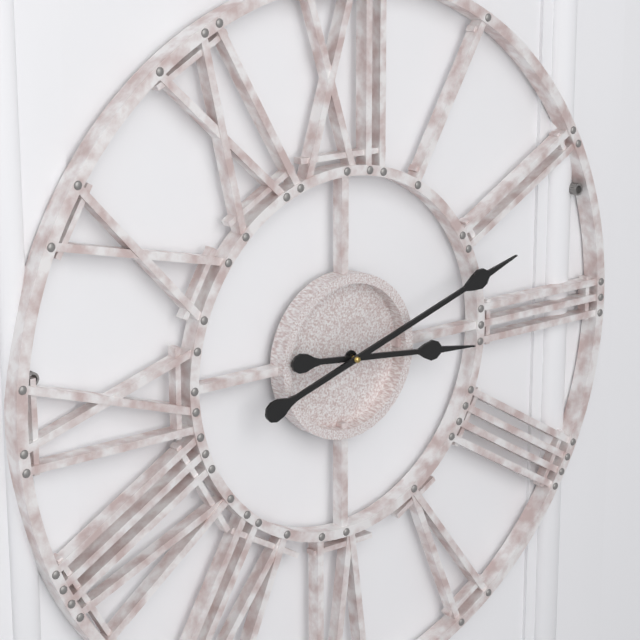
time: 3:12
